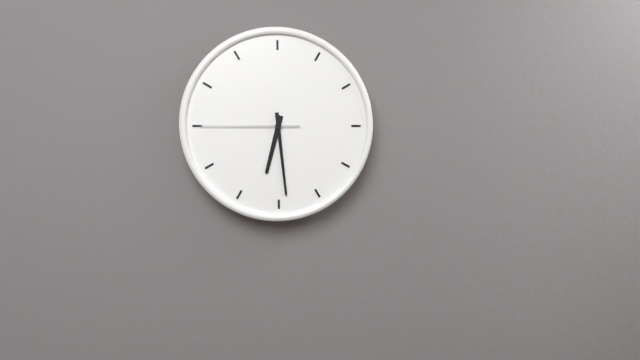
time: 6:29:45
